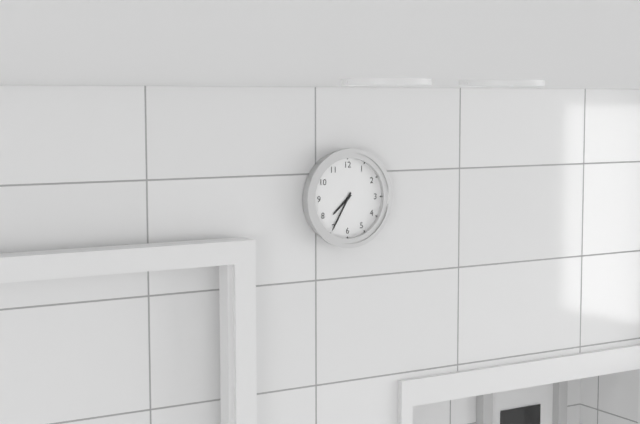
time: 7:35
